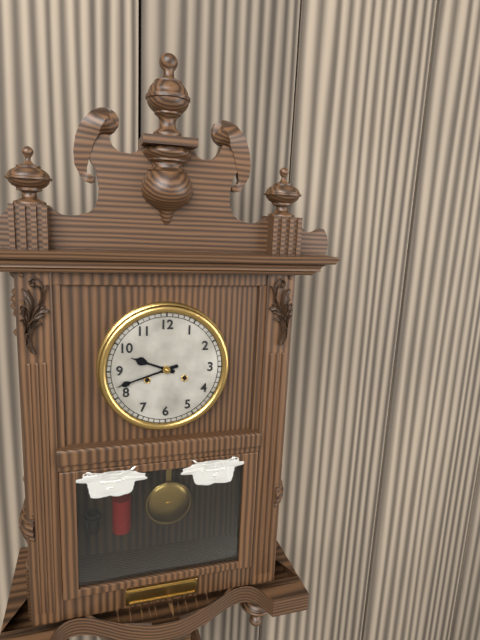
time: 9:42
